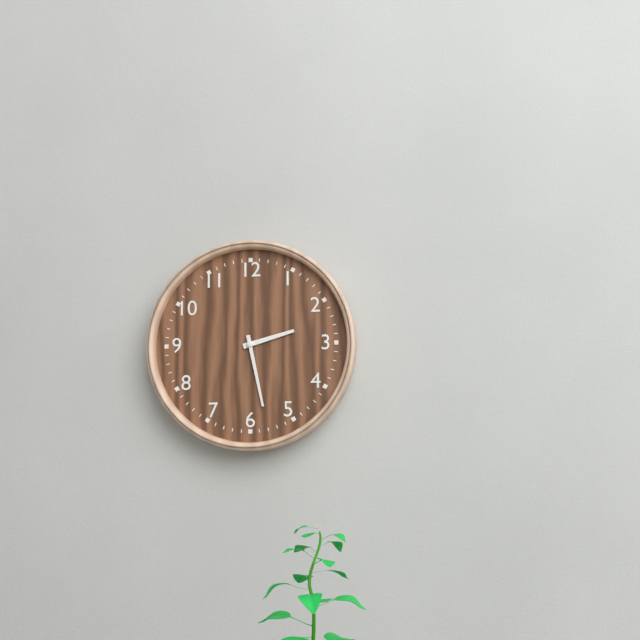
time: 2:28
